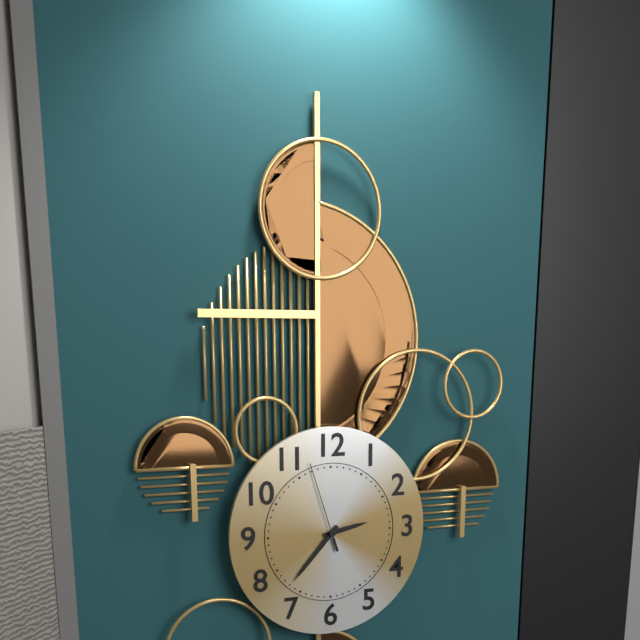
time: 2:37:57
